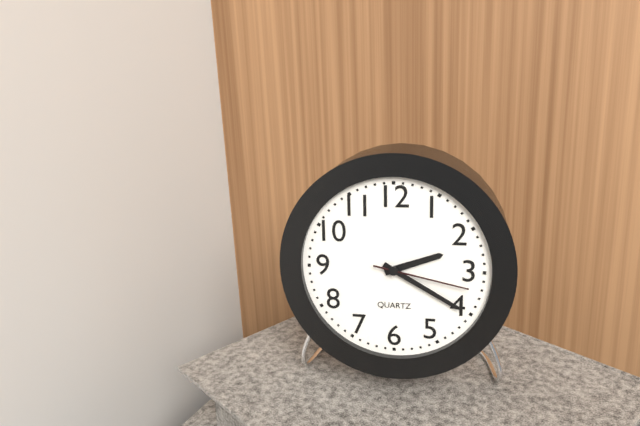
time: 2:20:17
